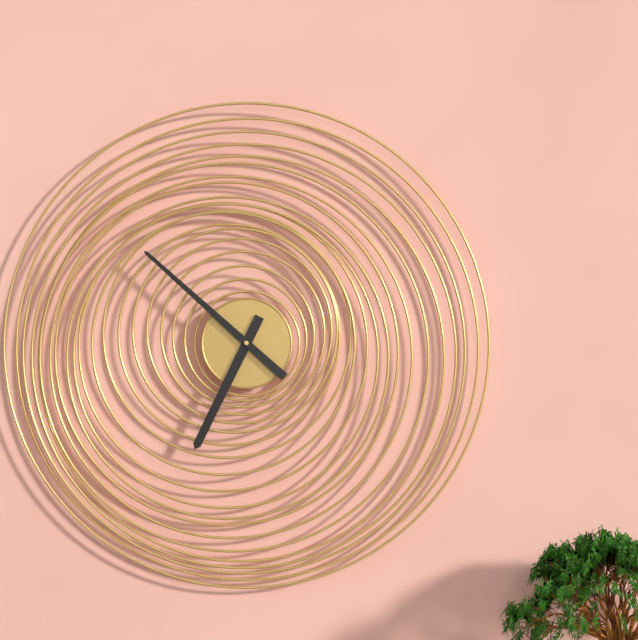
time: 6:52
